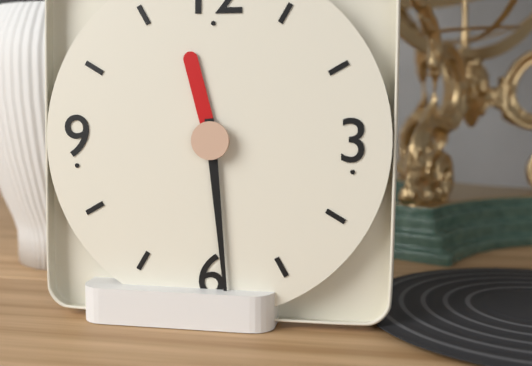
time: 11:29
